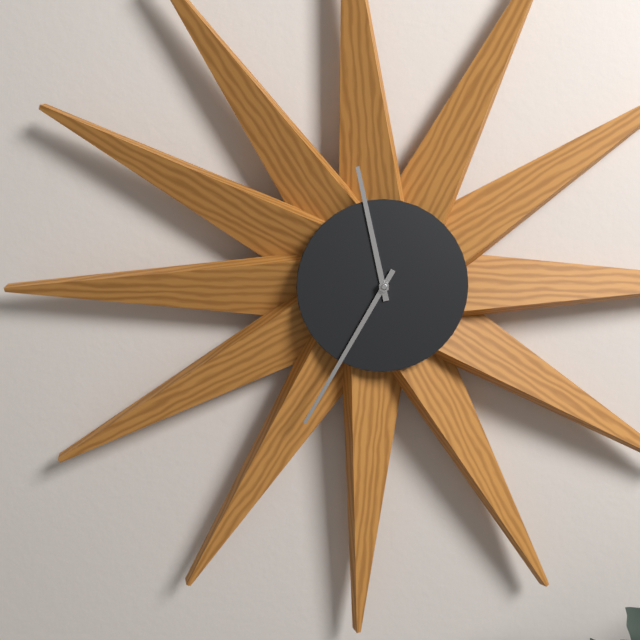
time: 11:35
